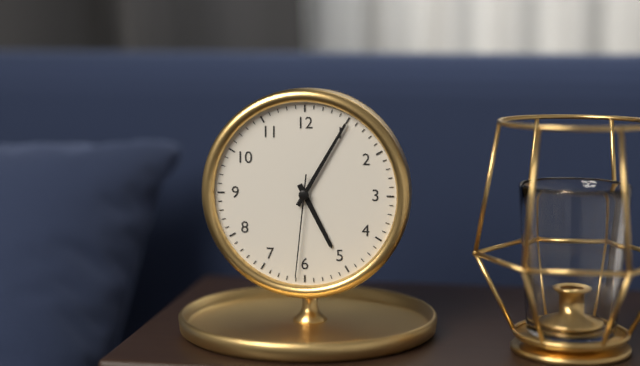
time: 5:05:31
